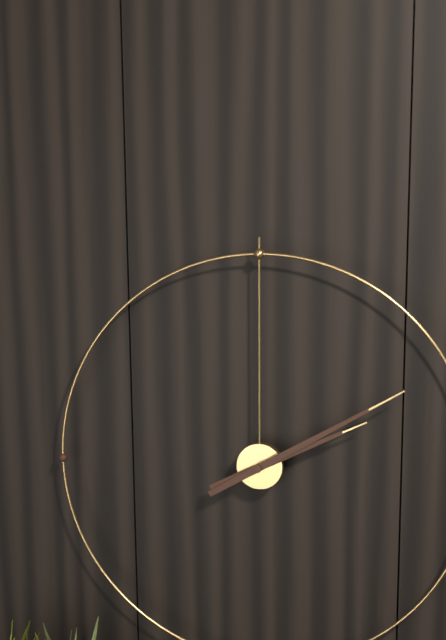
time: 2:10
